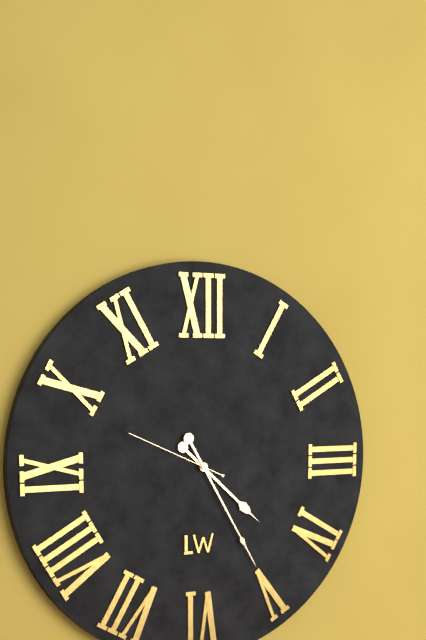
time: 4:25:49
